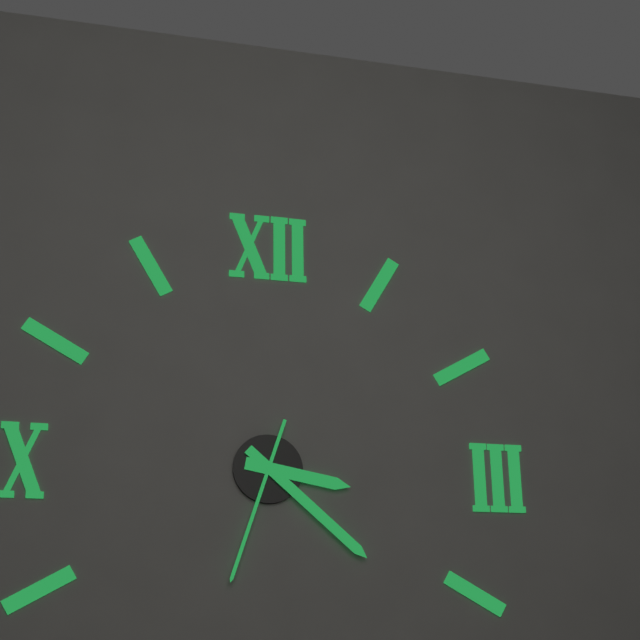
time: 3:22:33
